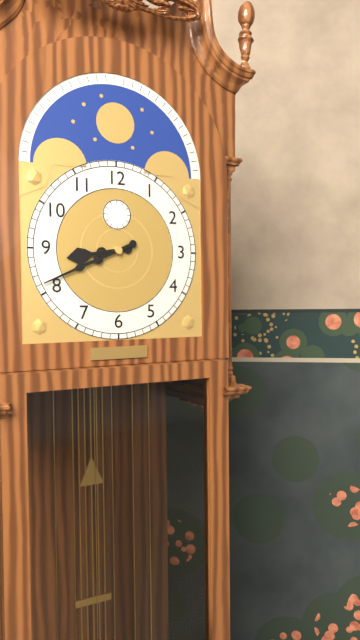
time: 8:41
